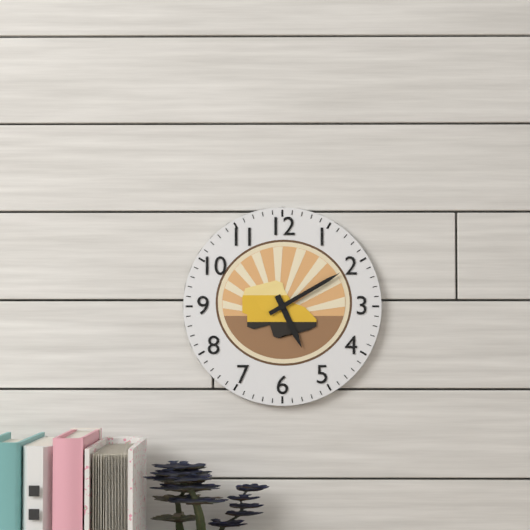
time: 5:10
